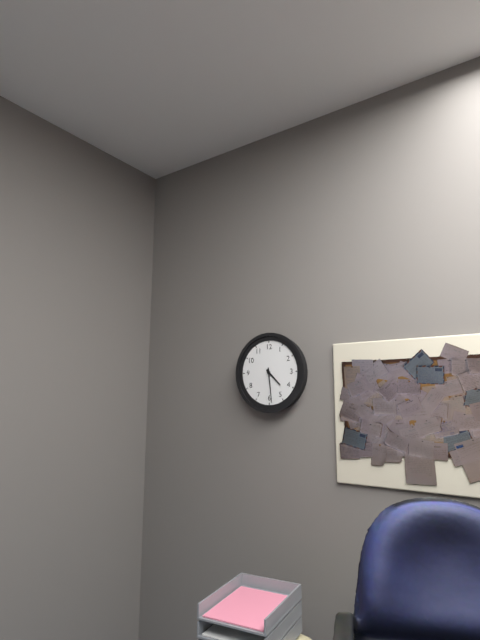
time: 4:29
